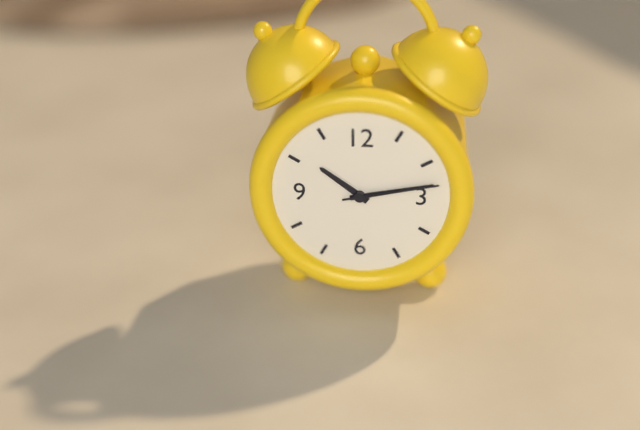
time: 10:13:13
